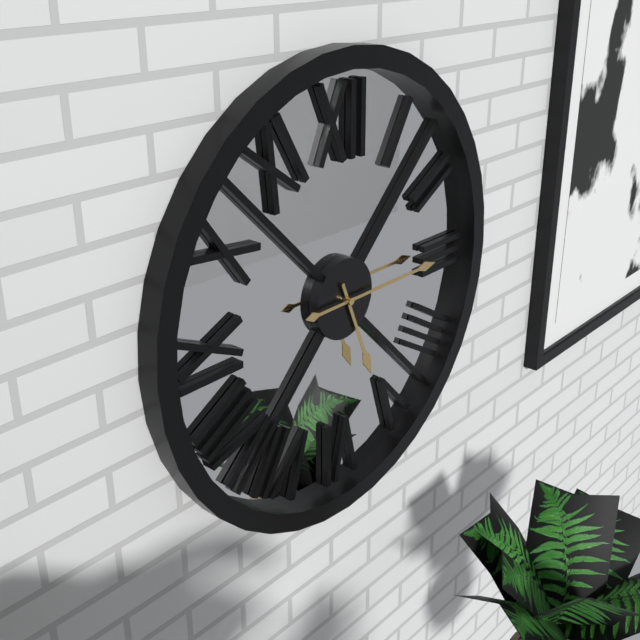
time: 5:15
